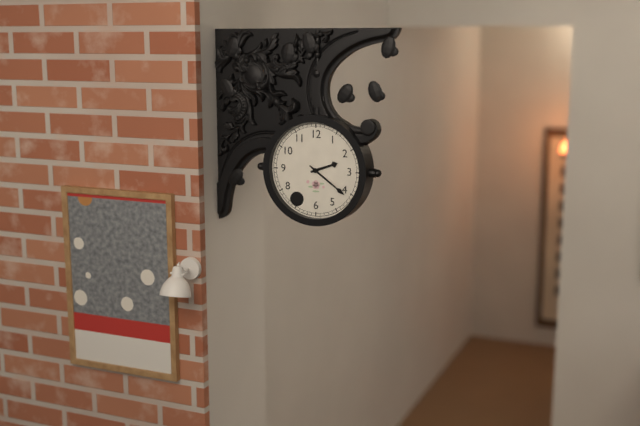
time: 2:21
